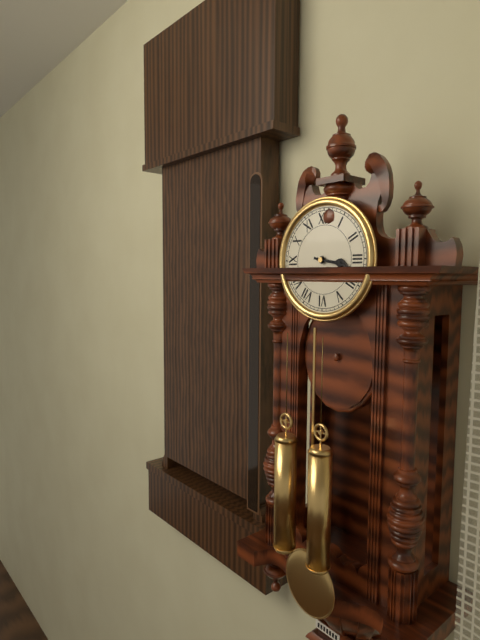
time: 3:17
